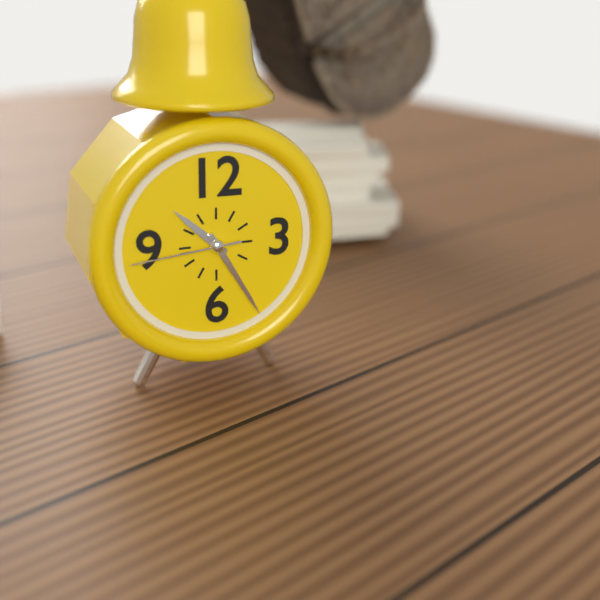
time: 10:25:44
